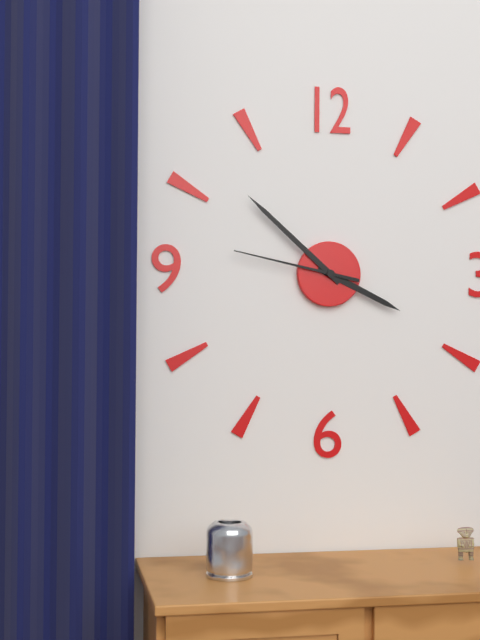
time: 3:52:47
